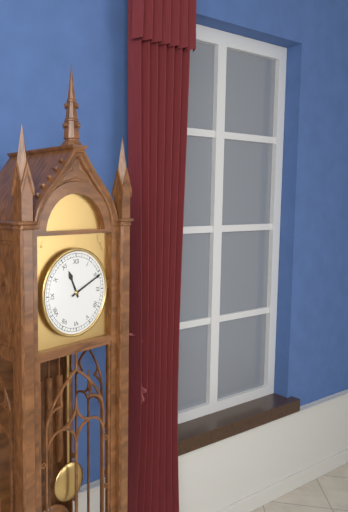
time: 11:11
